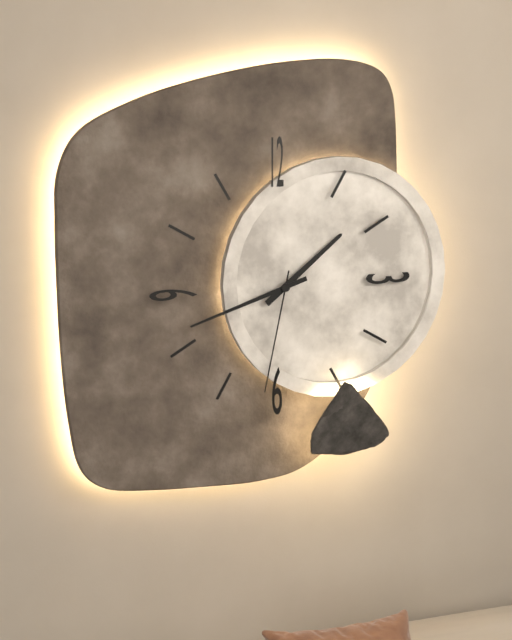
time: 1:42:32
